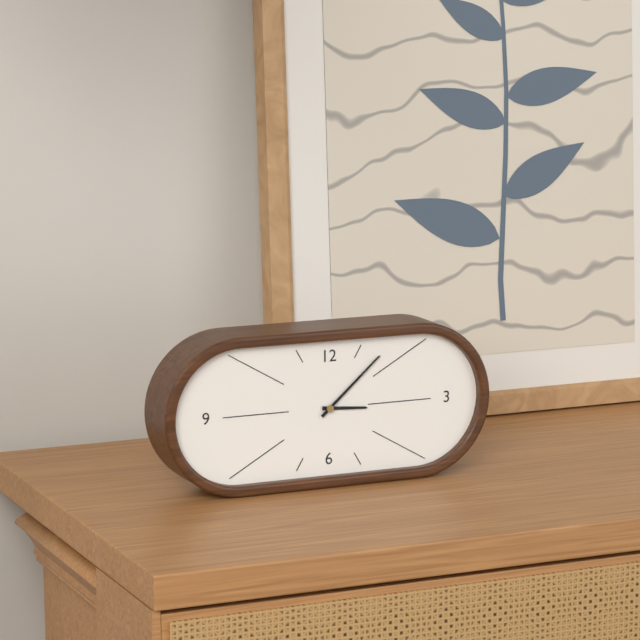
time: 3:08
